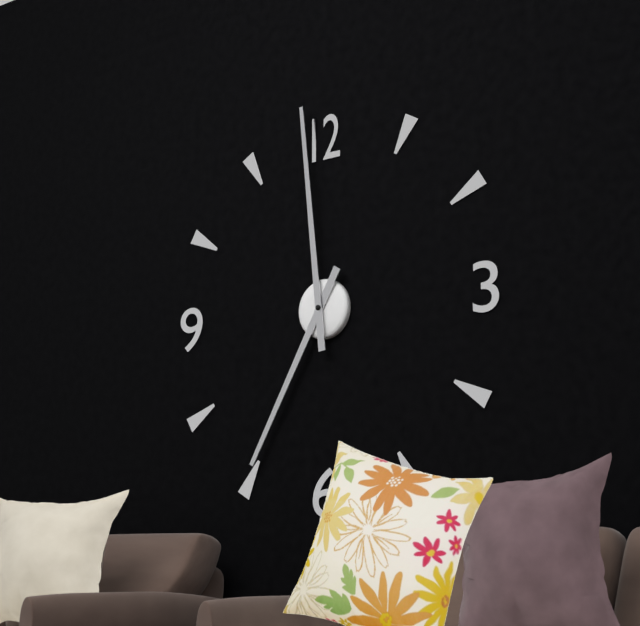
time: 6:59
